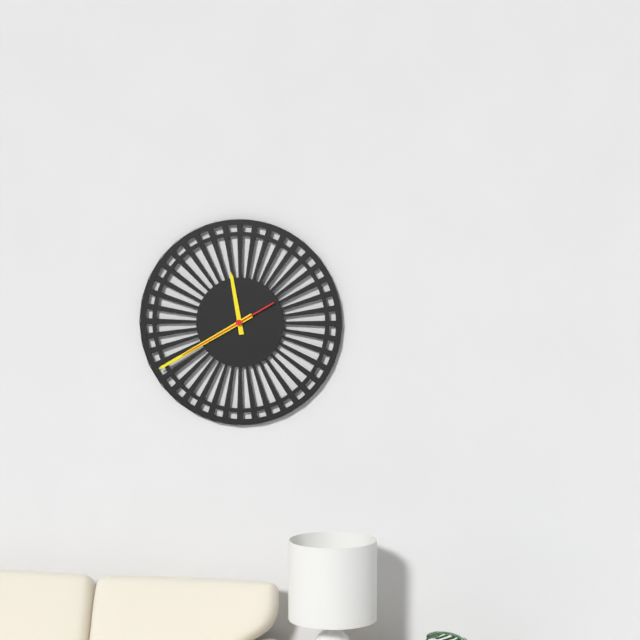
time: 11:40:40
